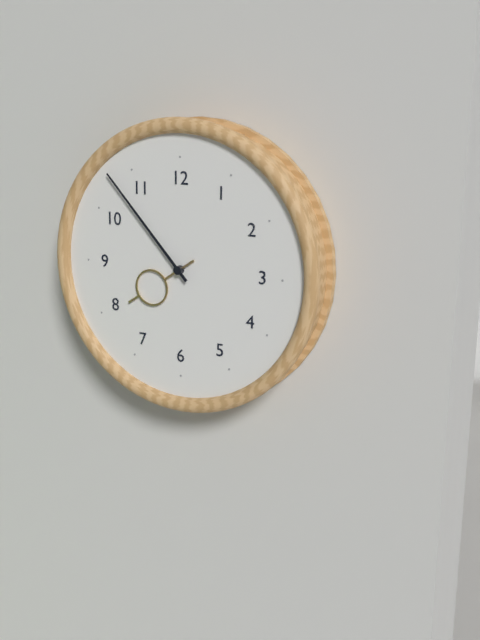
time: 7:53
